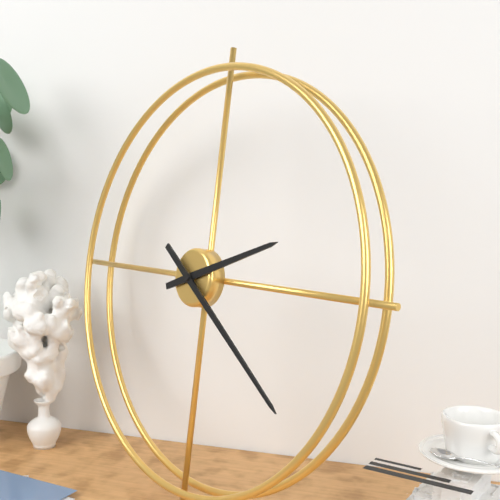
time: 2:21
